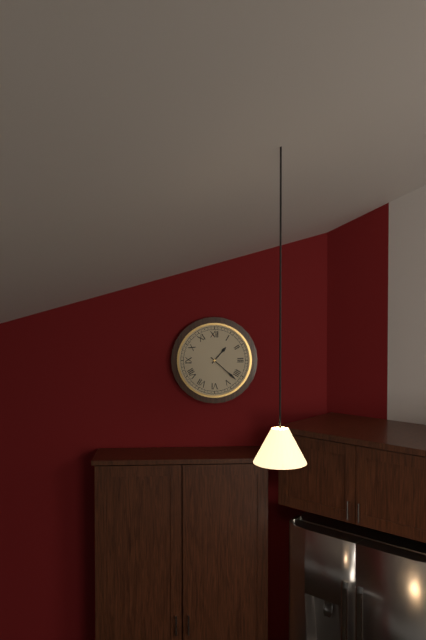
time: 1:22
